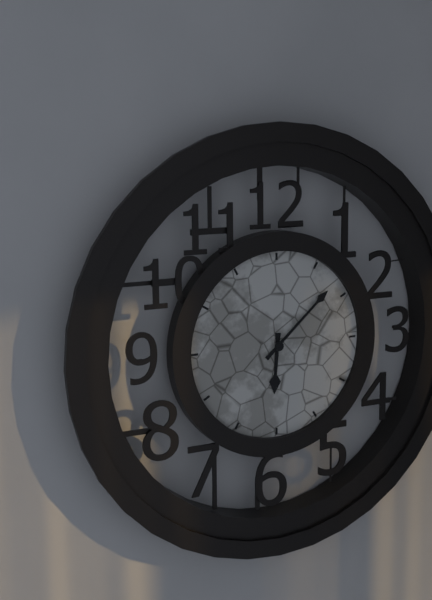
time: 6:08
